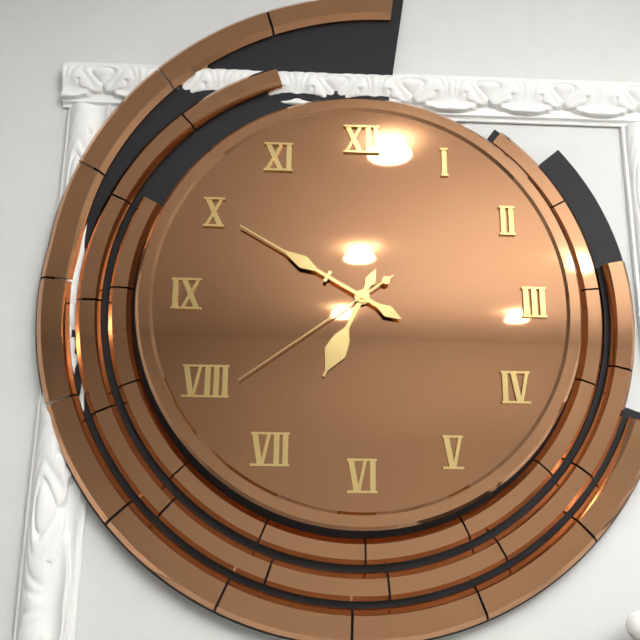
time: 6:50:39
